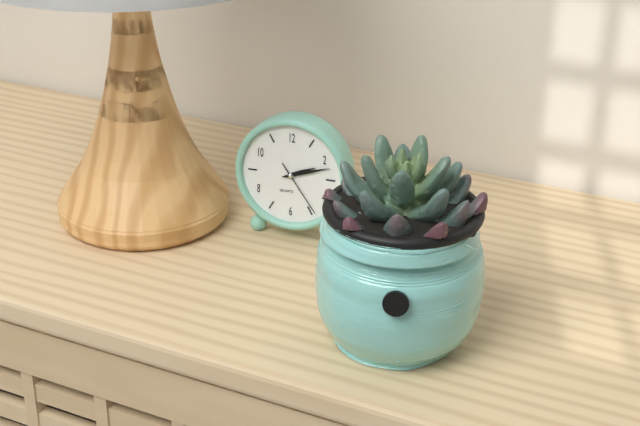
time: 2:12:24
